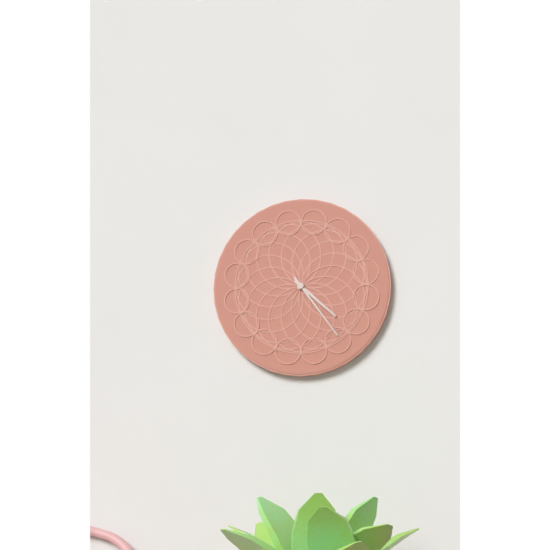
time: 4:24
